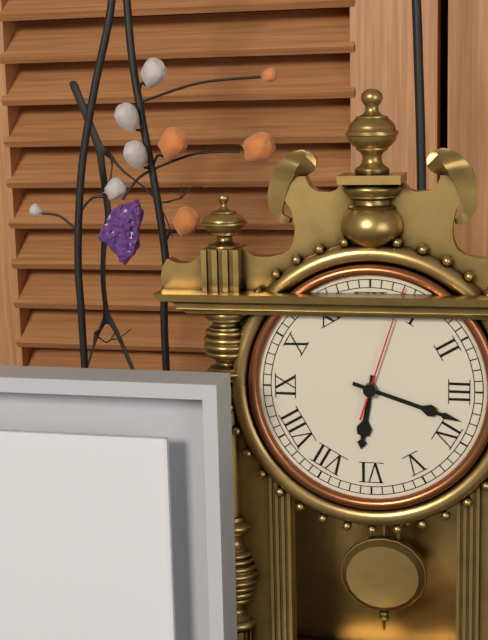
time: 6:18:03
